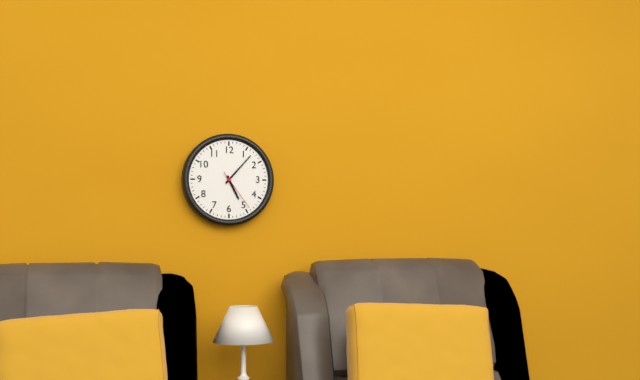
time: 5:07
